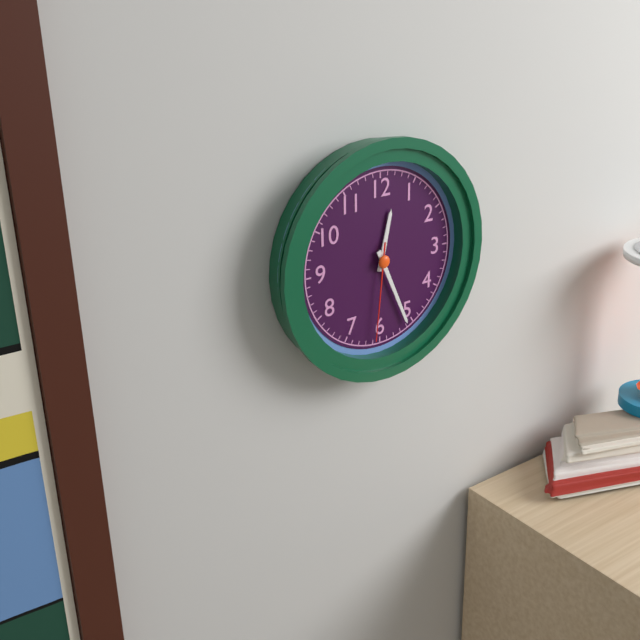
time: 12:26:31
